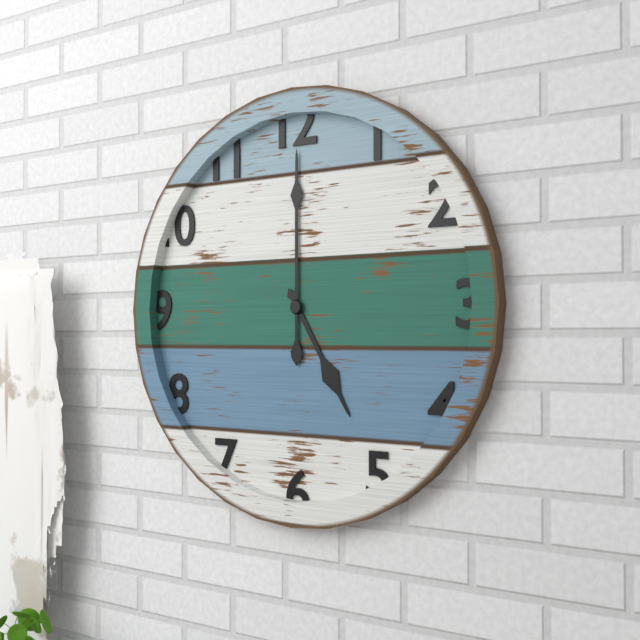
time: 5:00
